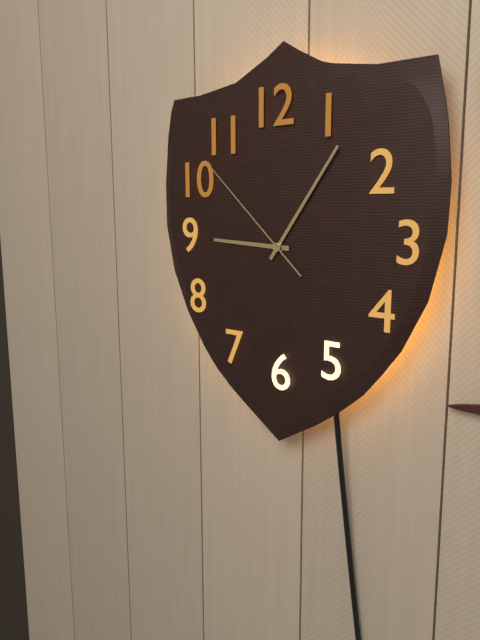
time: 9:06:52
